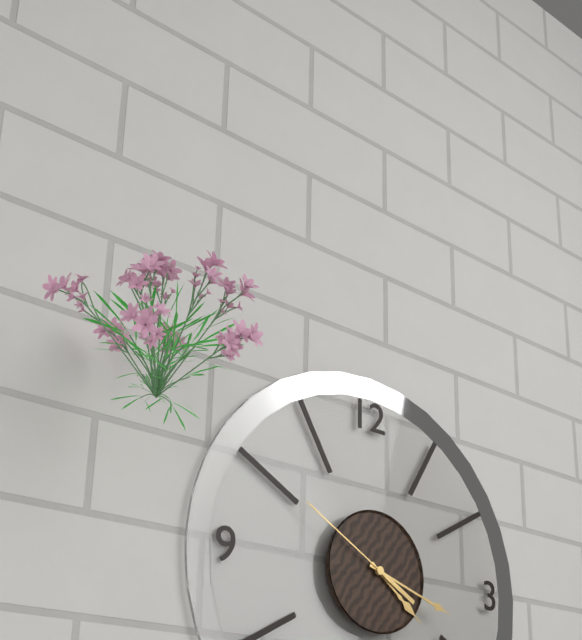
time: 4:18:50
